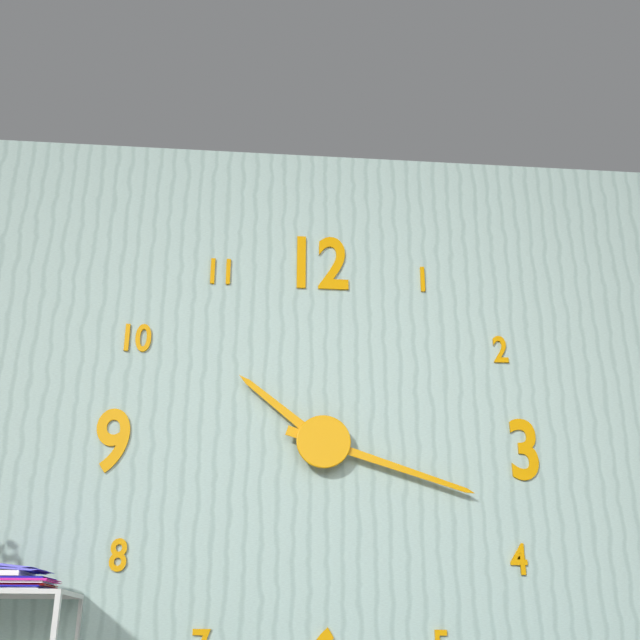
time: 10:18
